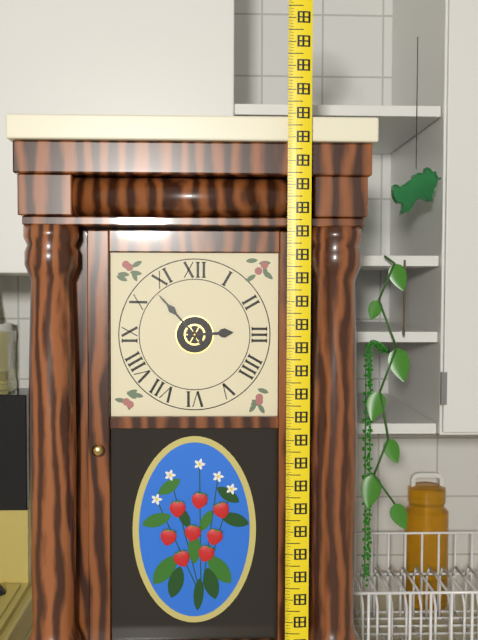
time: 2:53
